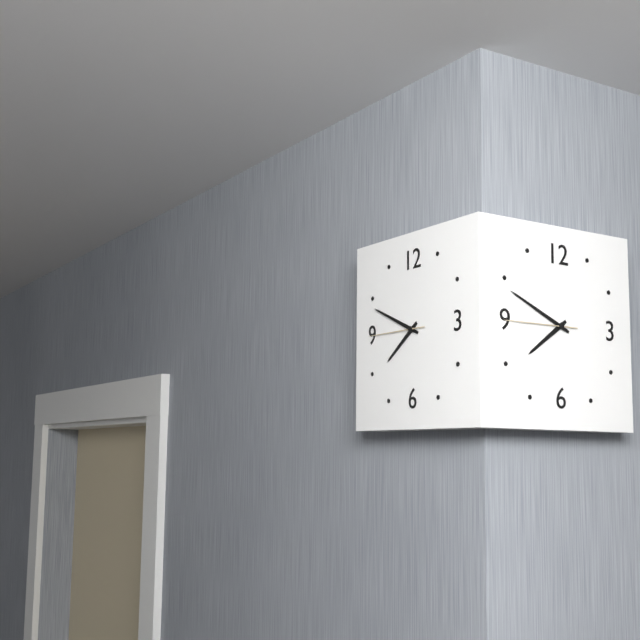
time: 7:49:45
